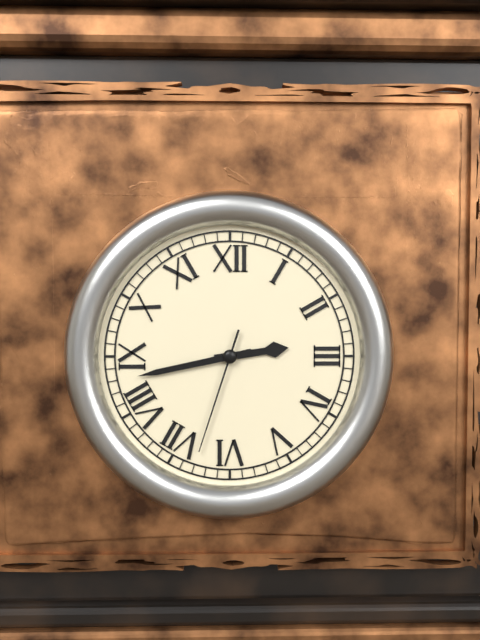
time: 2:43:33
